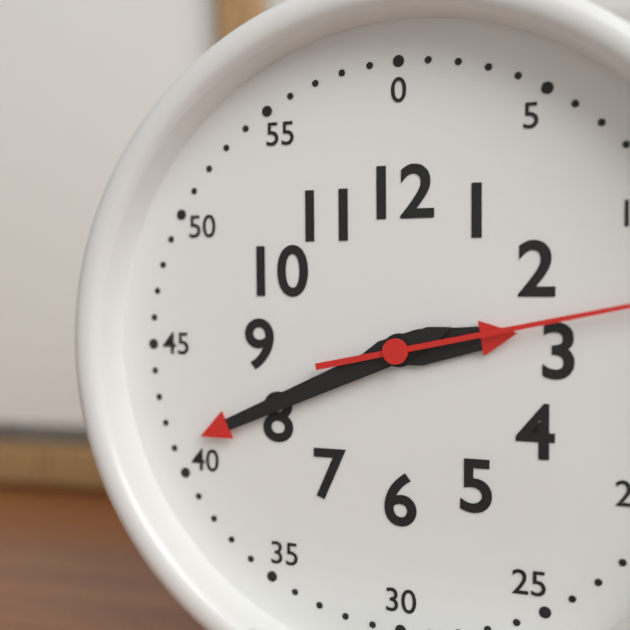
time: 2:41
